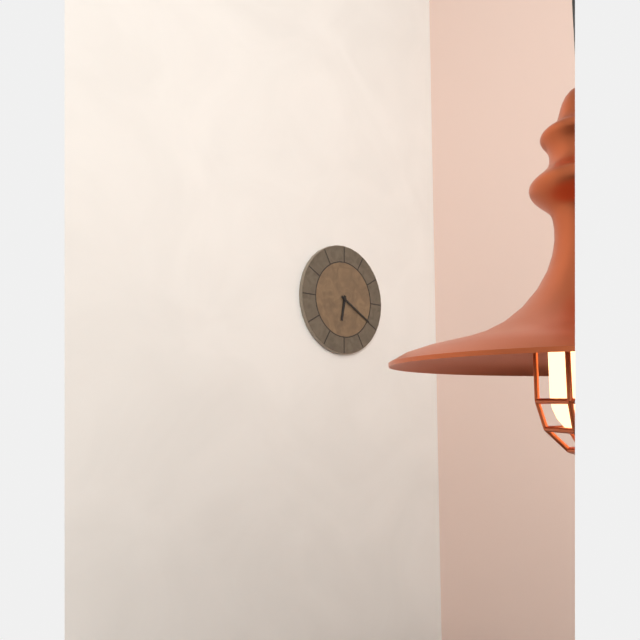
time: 6:20
